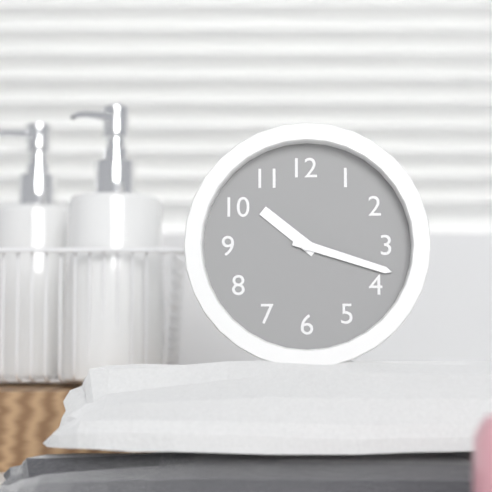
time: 10:18
